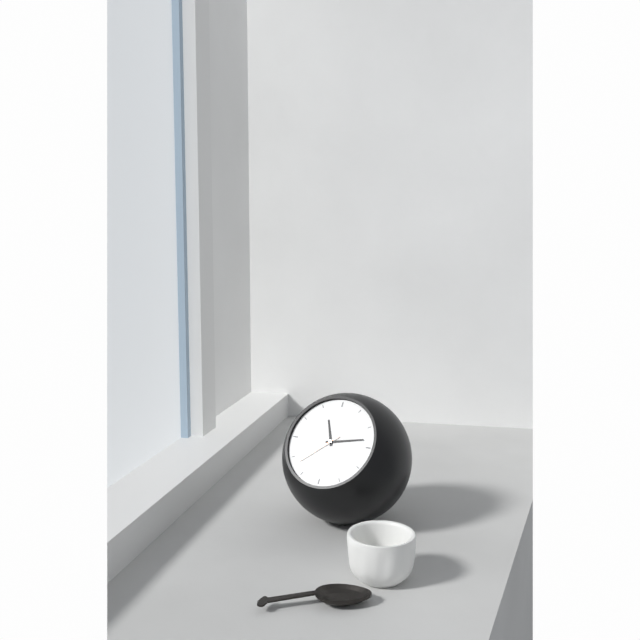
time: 11:13:38
